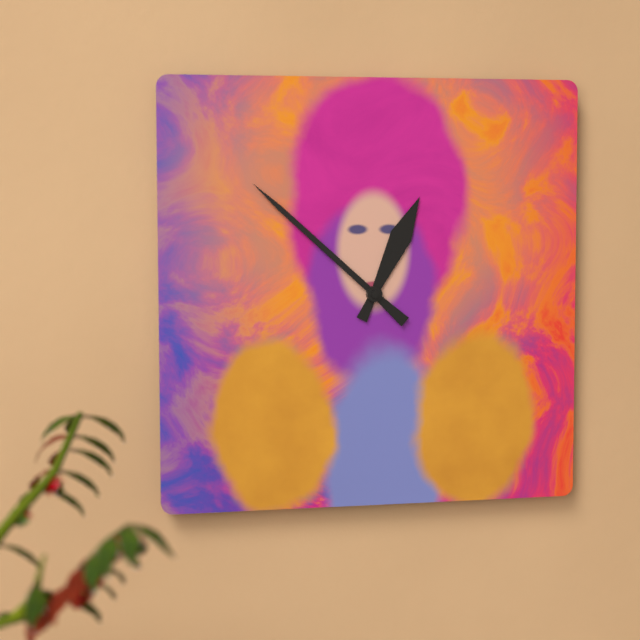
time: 12:52
